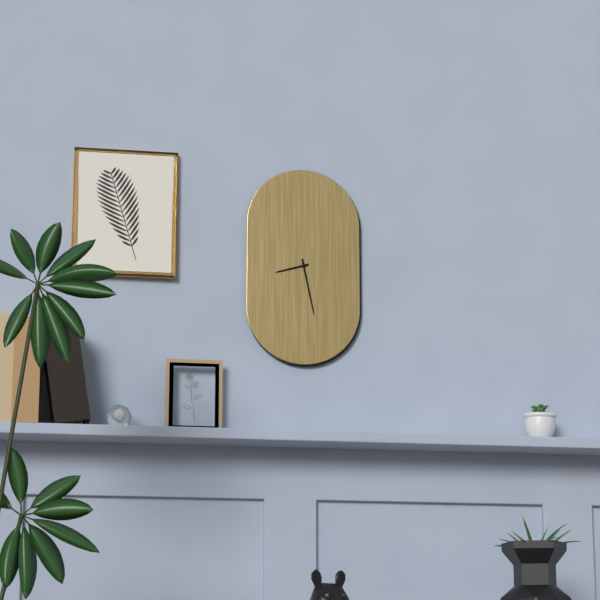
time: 8:28
